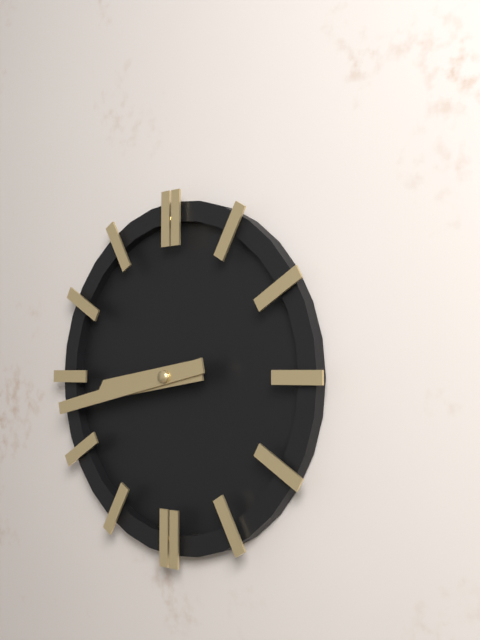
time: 8:43
